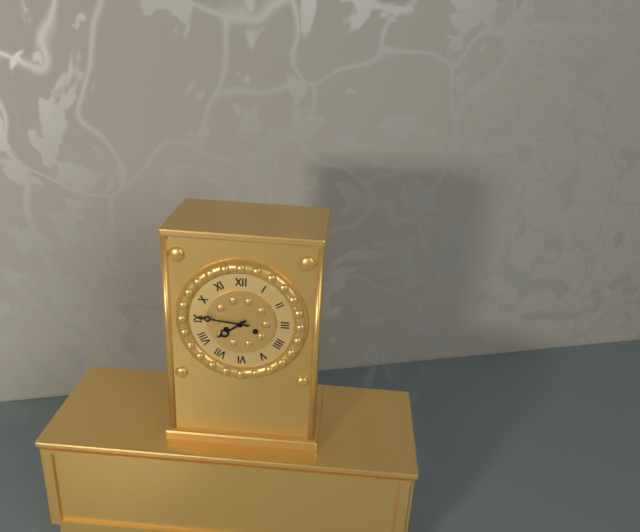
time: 7:46
